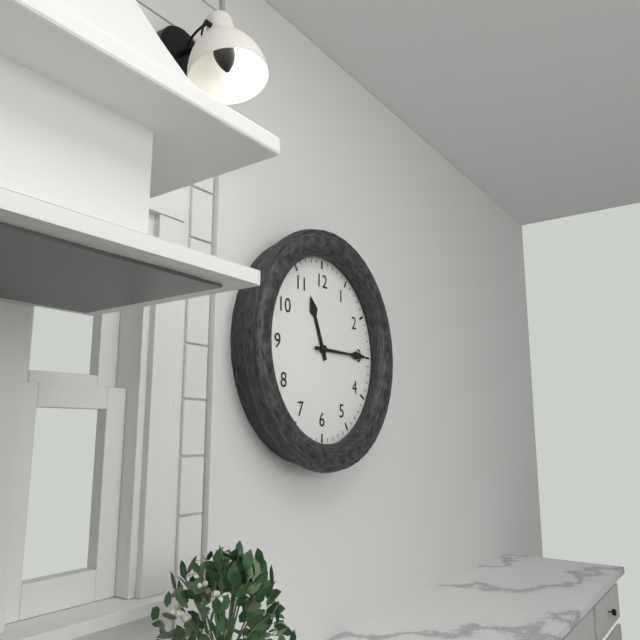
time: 11:15
